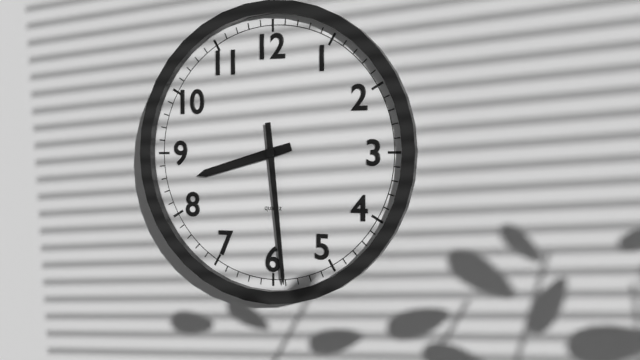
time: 8:29
